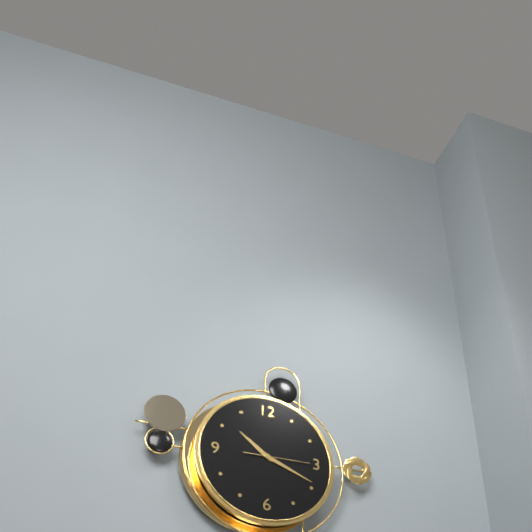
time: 10:19:15
